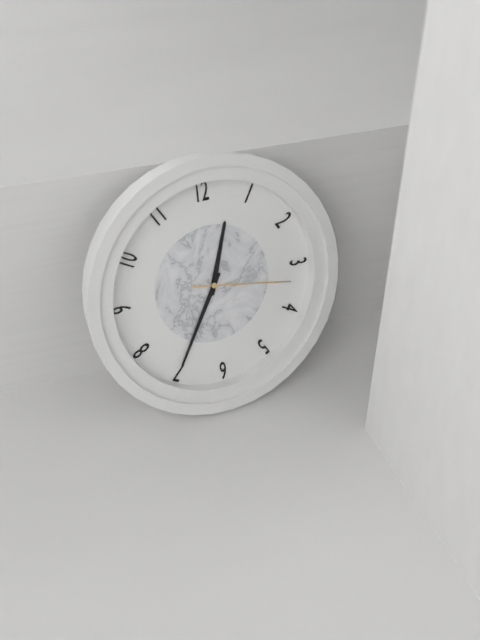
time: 12:35:17
